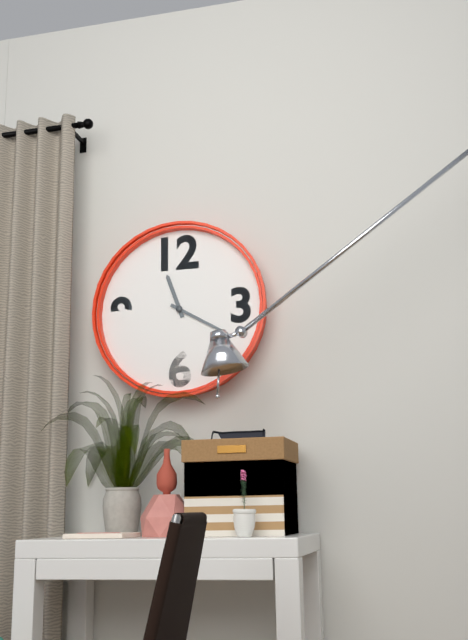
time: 11:20
